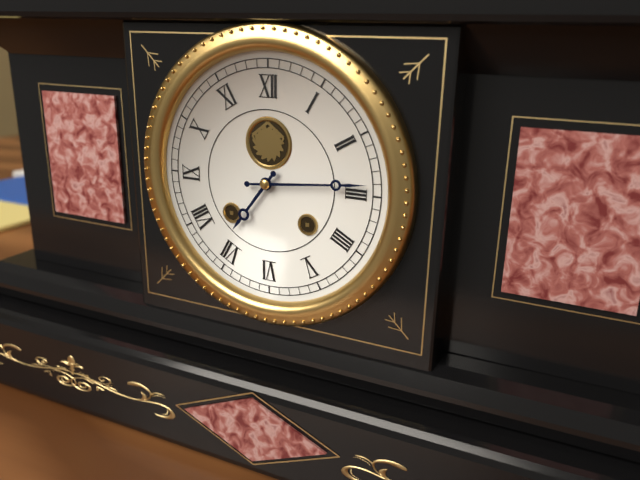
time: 7:14
